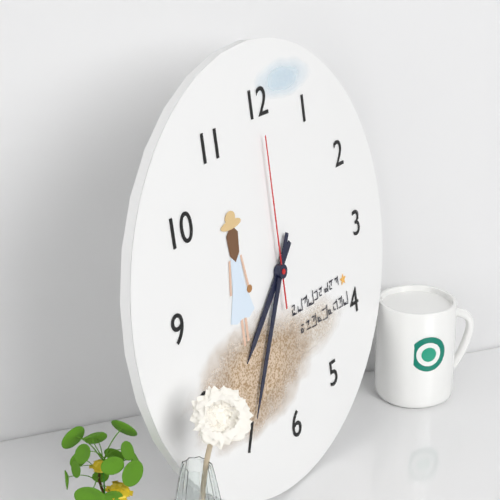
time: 7:35:00
